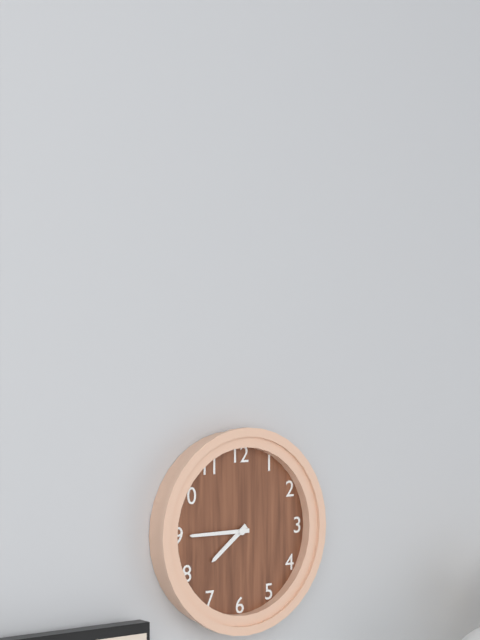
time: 7:45
